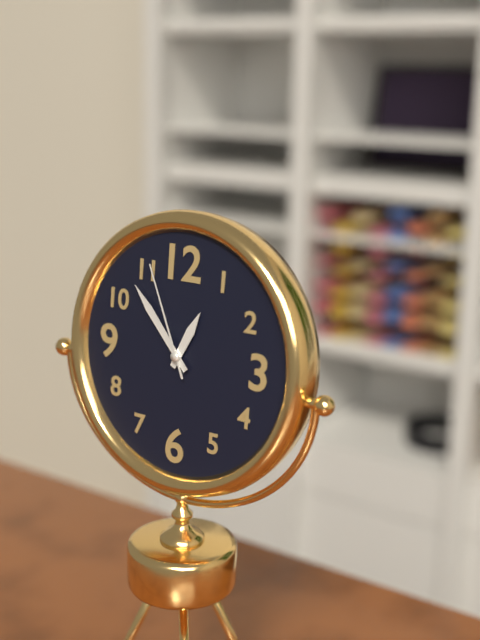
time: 12:53:56
